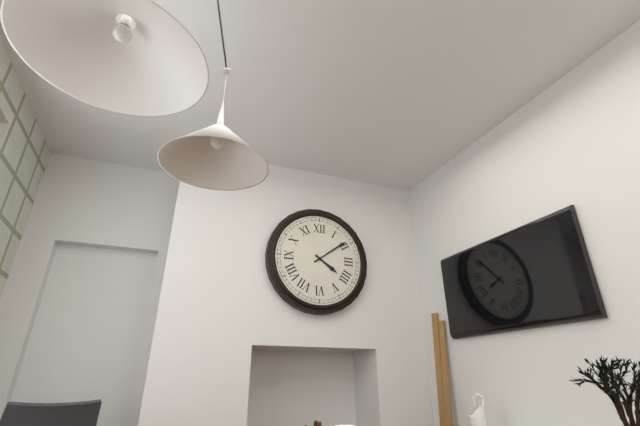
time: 4:09
